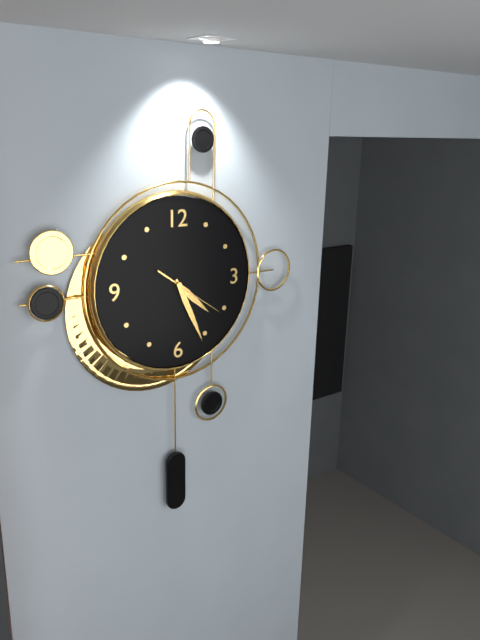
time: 4:26:21
